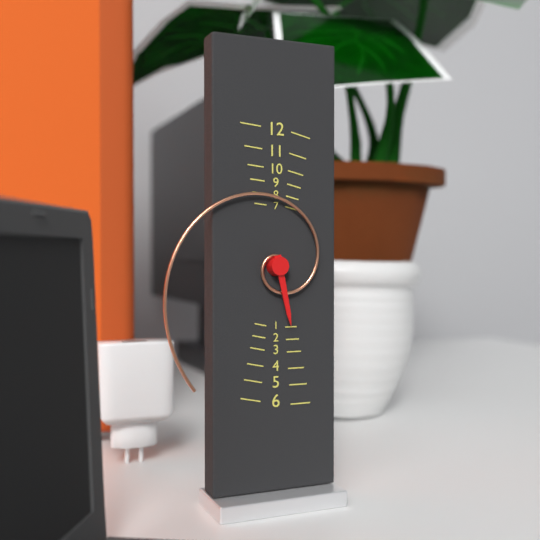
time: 5:36
